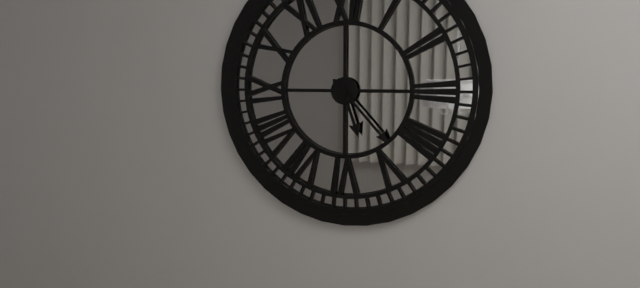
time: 5:23
